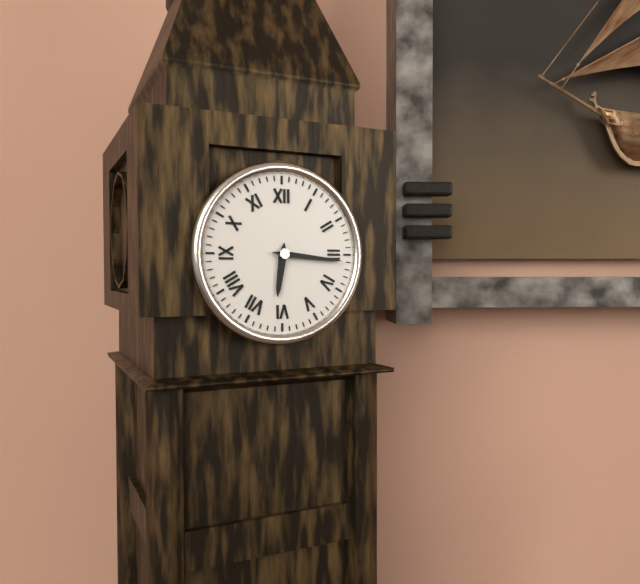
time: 6:16
